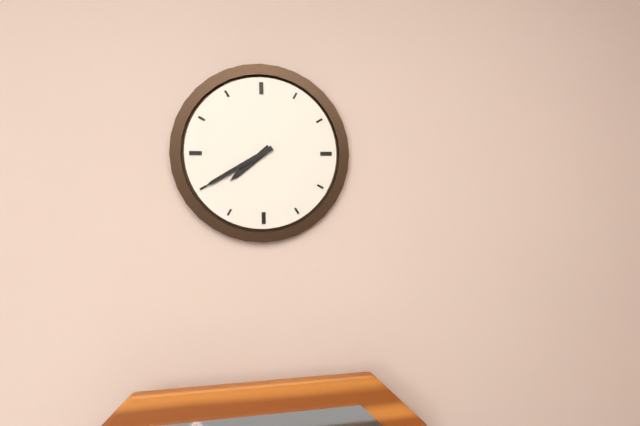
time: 7:40
